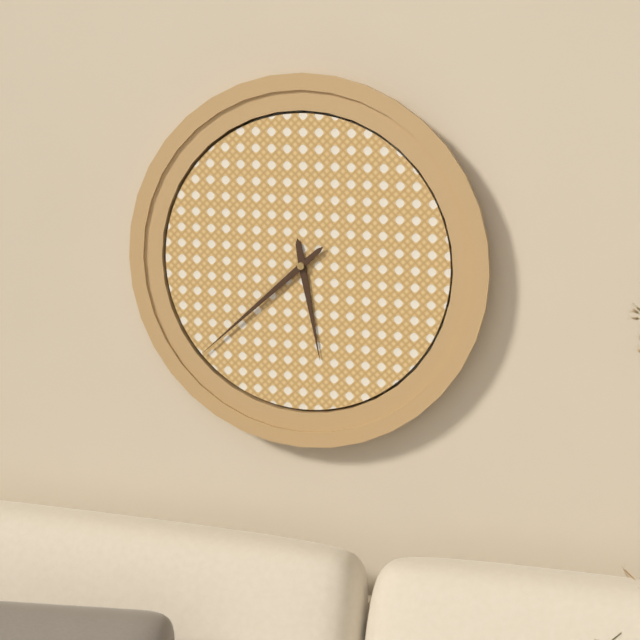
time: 5:38
